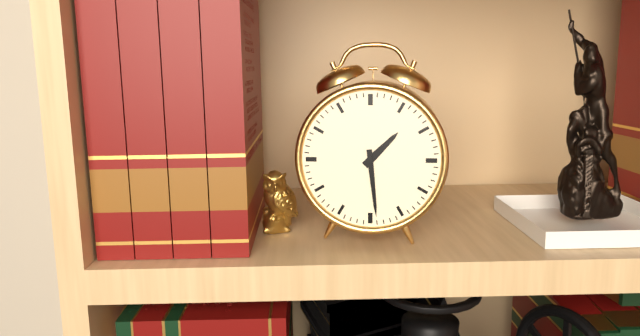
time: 1:29
